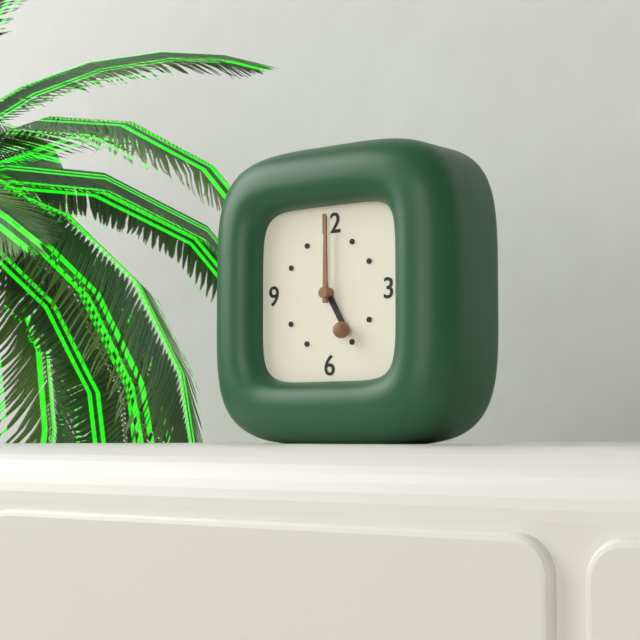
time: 5:00
